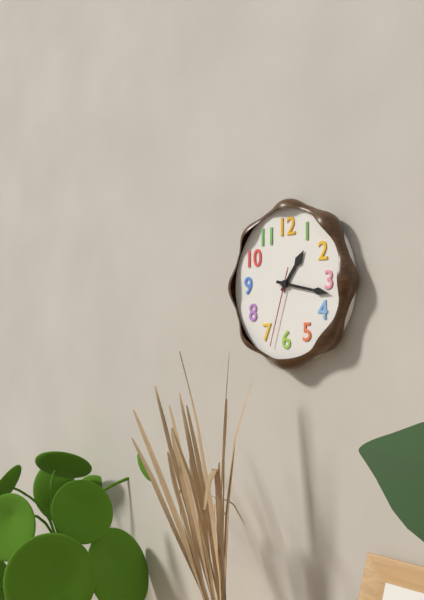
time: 1:17:33
